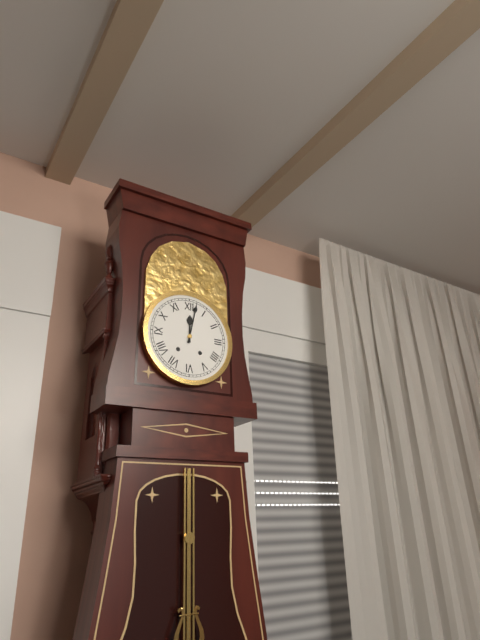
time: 12:02
